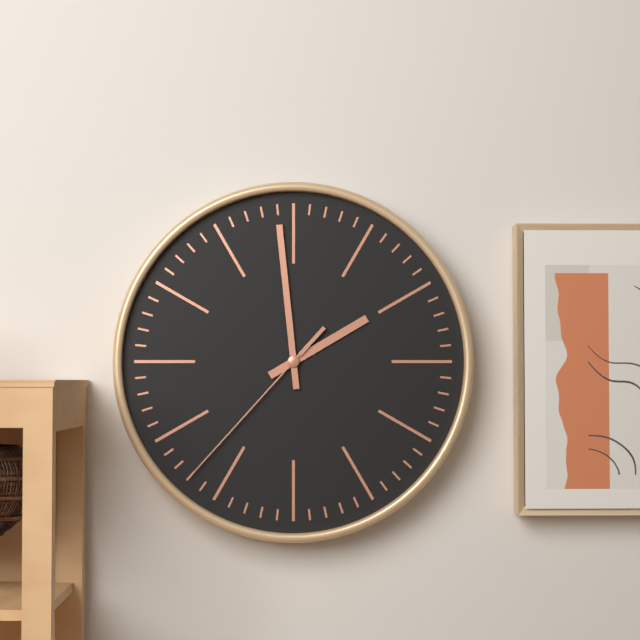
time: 1:59:37
